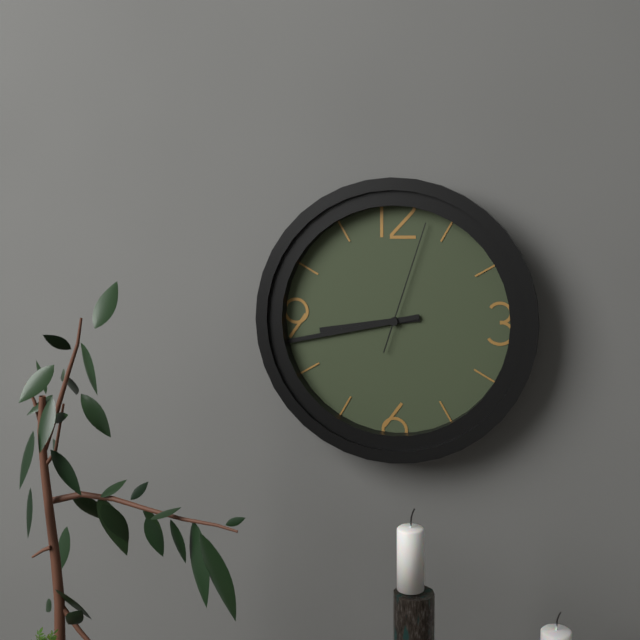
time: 8:43:03
